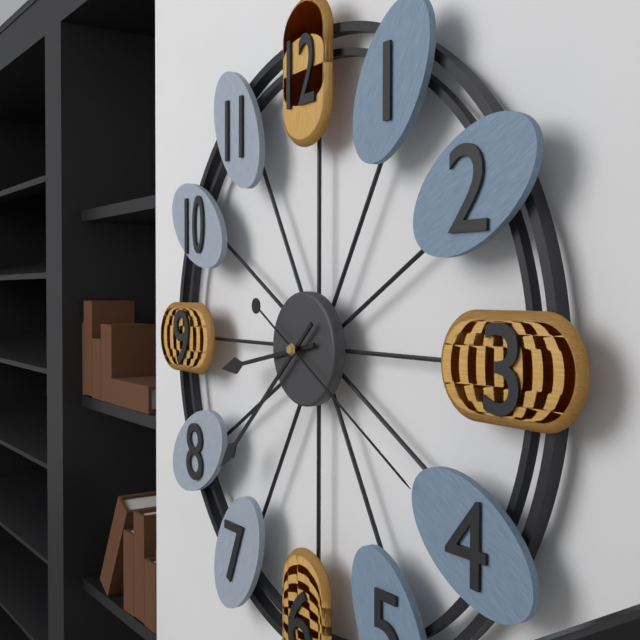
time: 8:38:20
